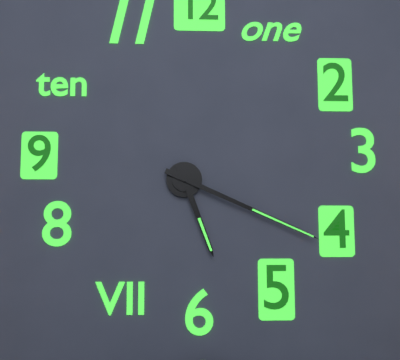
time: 5:19
